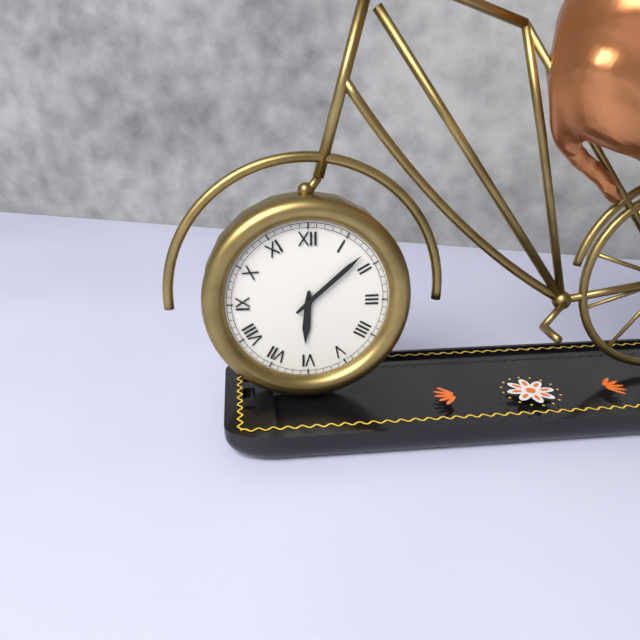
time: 6:08
